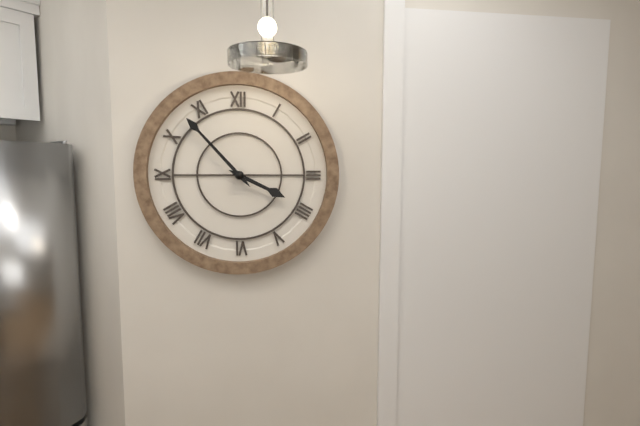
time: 3:53
